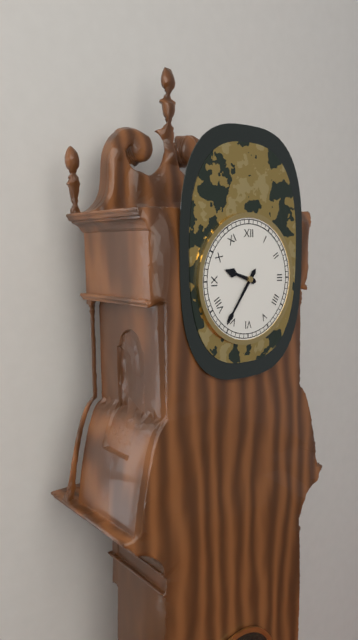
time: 9:36
